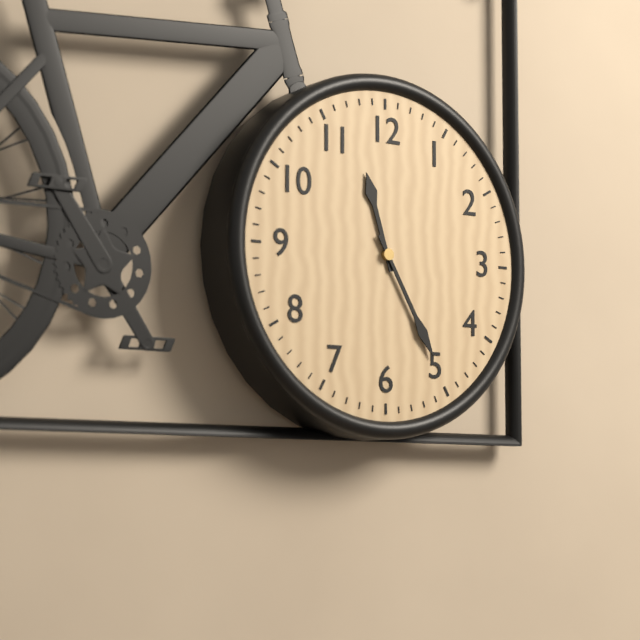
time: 11:25
